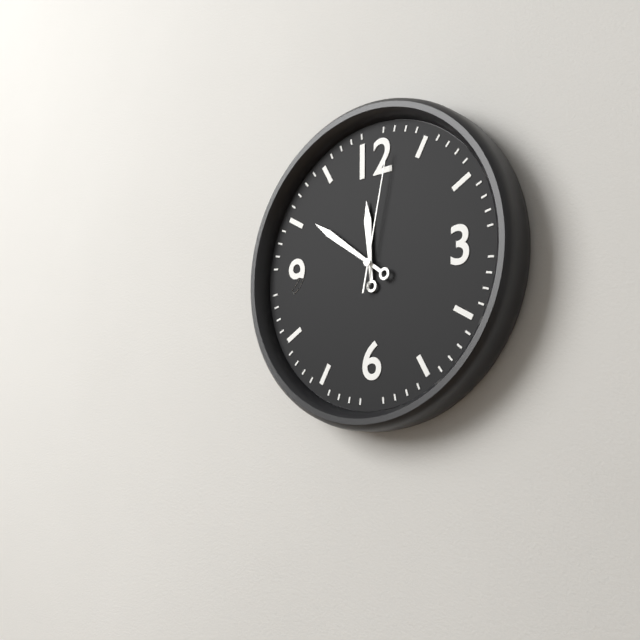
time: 11:51:02
